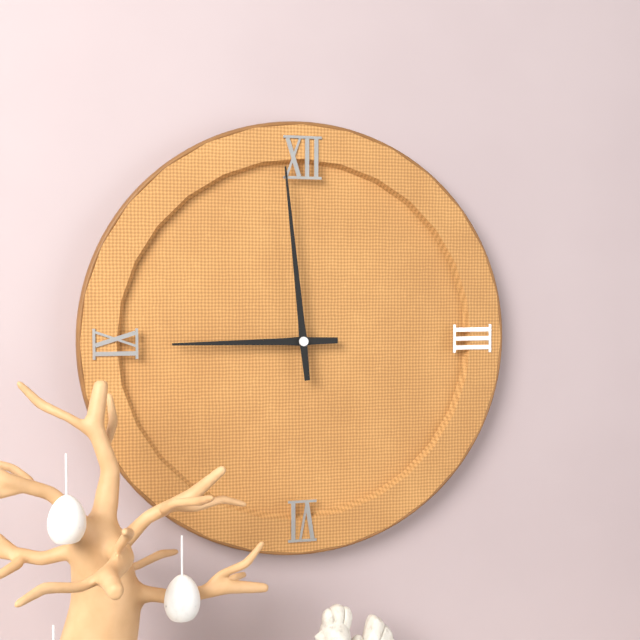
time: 8:59
